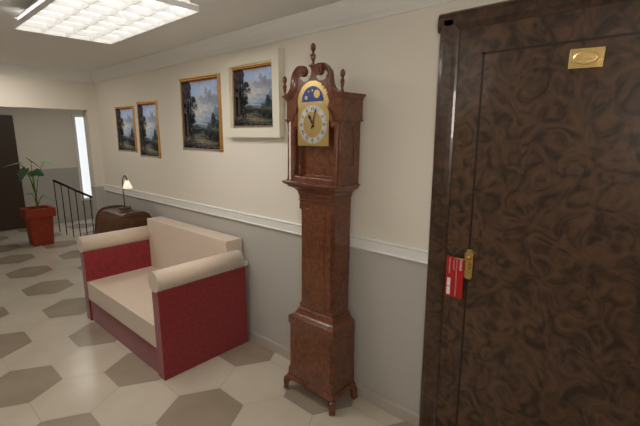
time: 11:03
